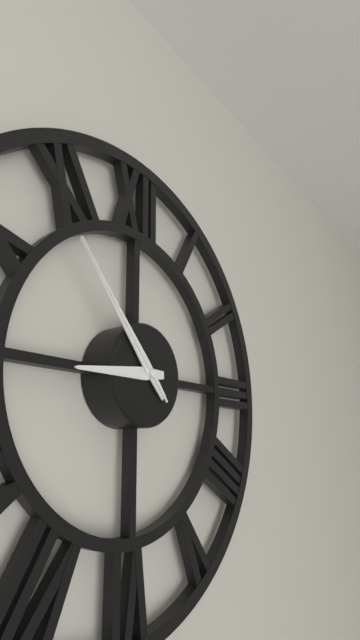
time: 8:53:53
